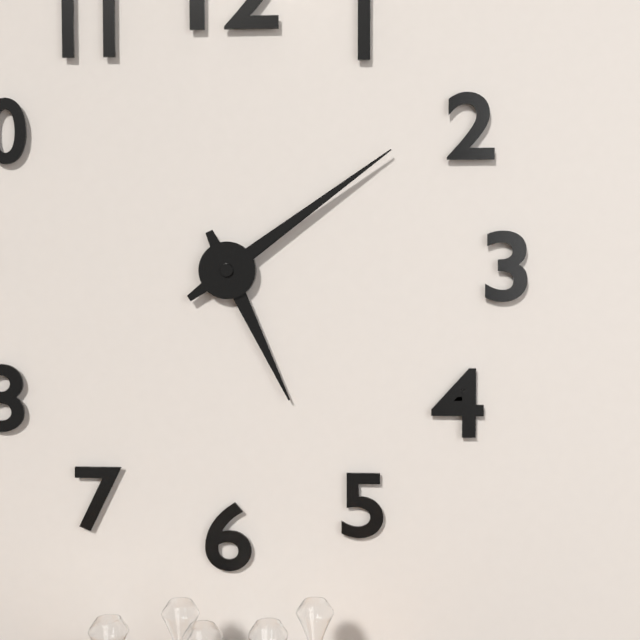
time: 5:09
